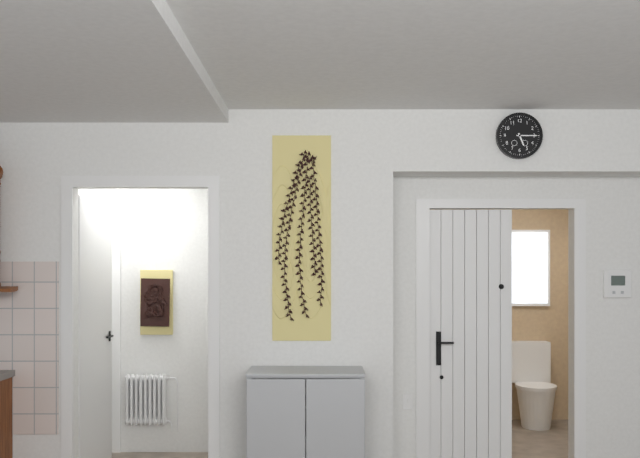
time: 5:15
